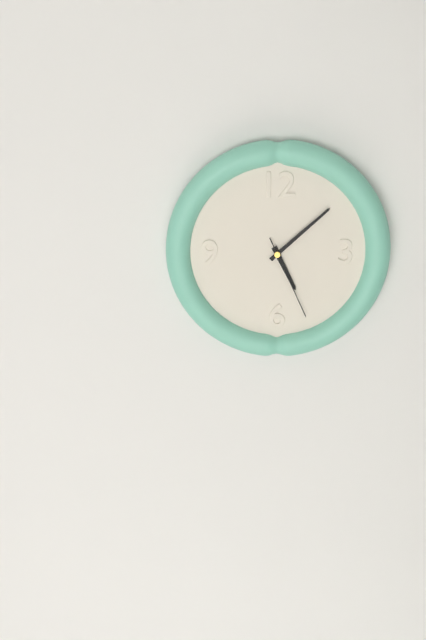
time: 5:08:26
